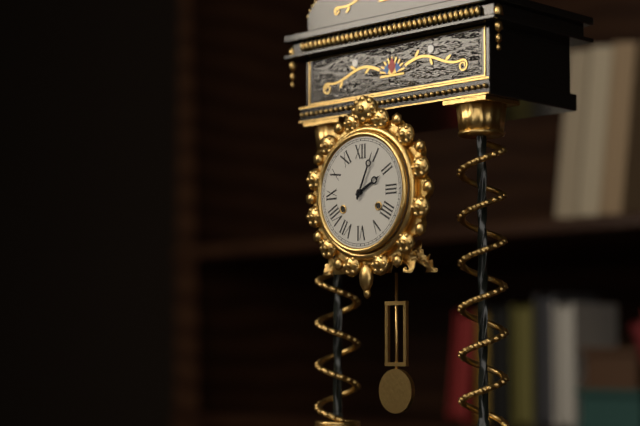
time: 2:04
